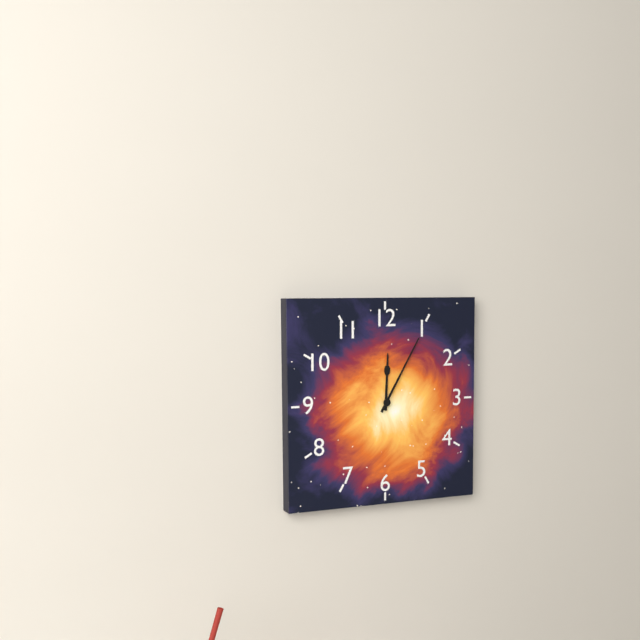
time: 12:05
